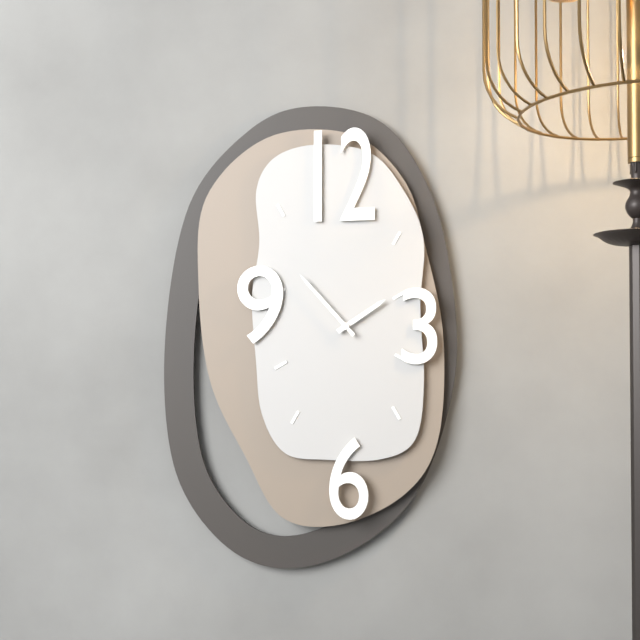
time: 1:53
